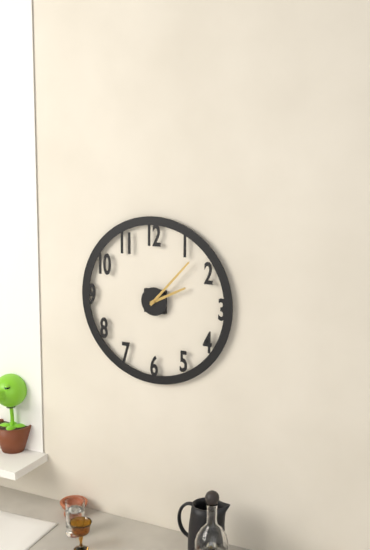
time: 2:07
